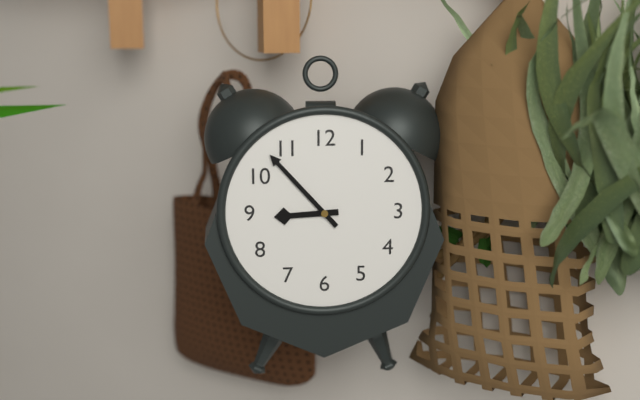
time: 8:53
